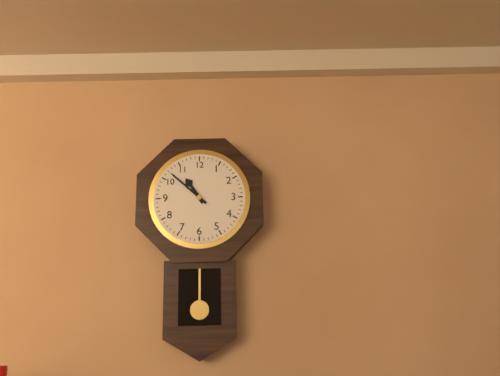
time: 10:52
